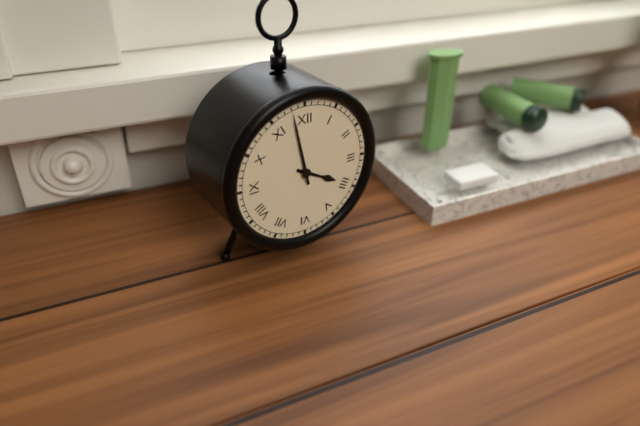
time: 3:58
